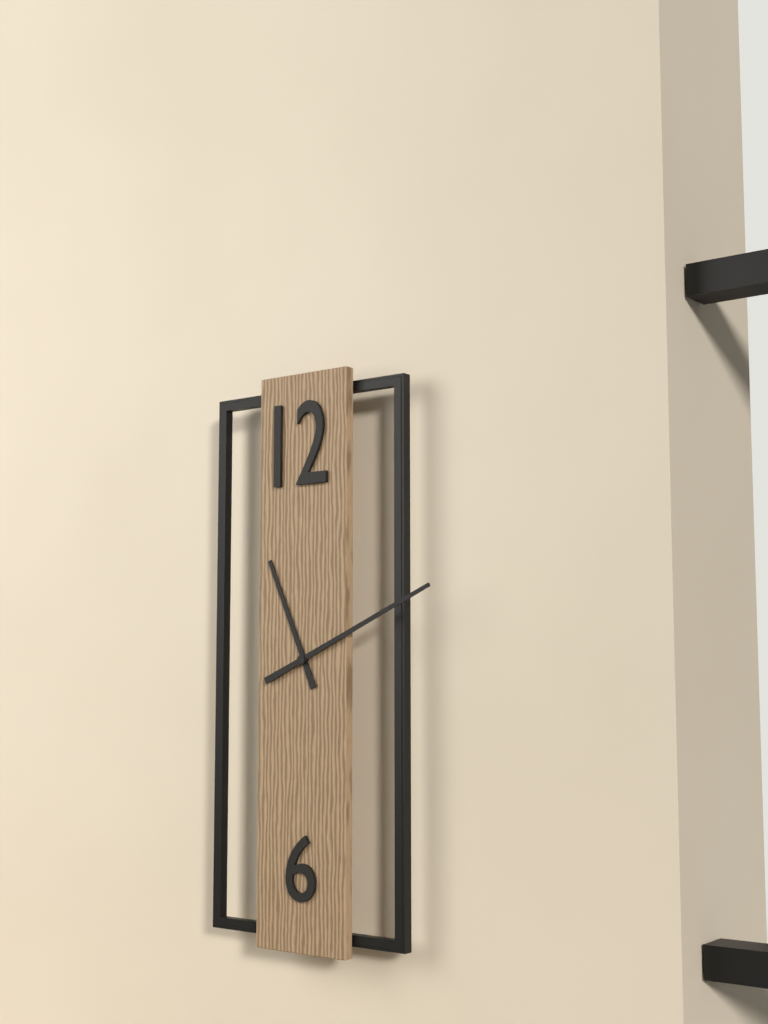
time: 11:11
